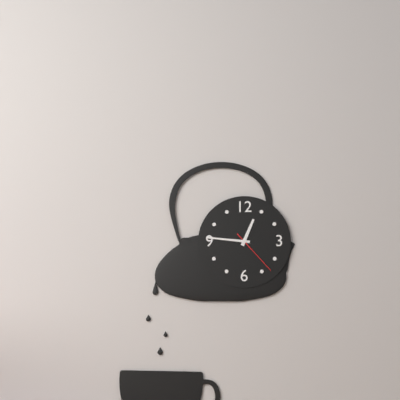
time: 12:46
